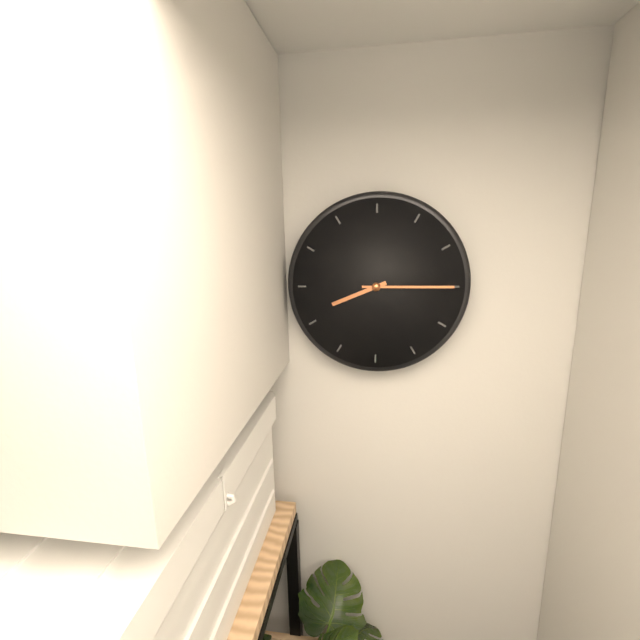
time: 8:15
